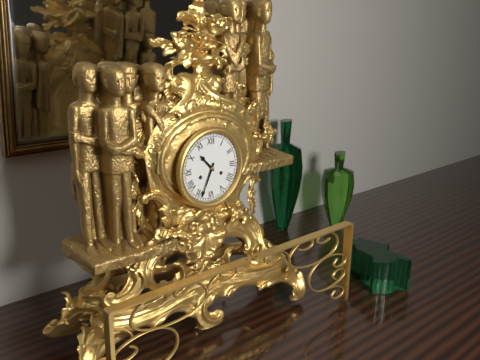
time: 10:34
